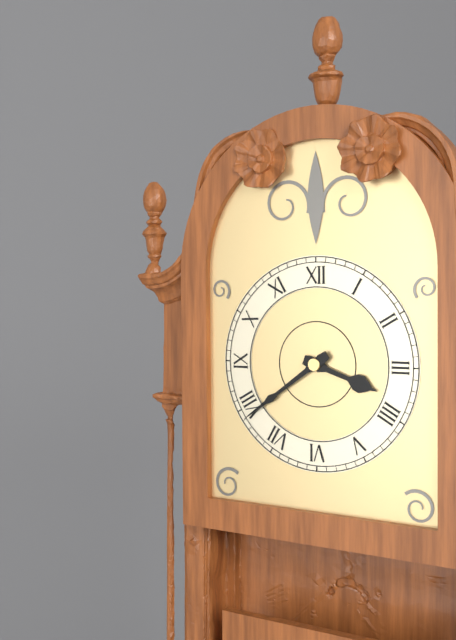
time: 3:39
